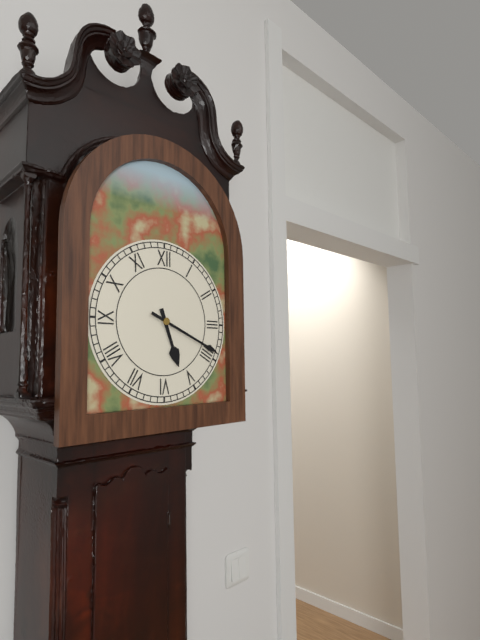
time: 5:19
